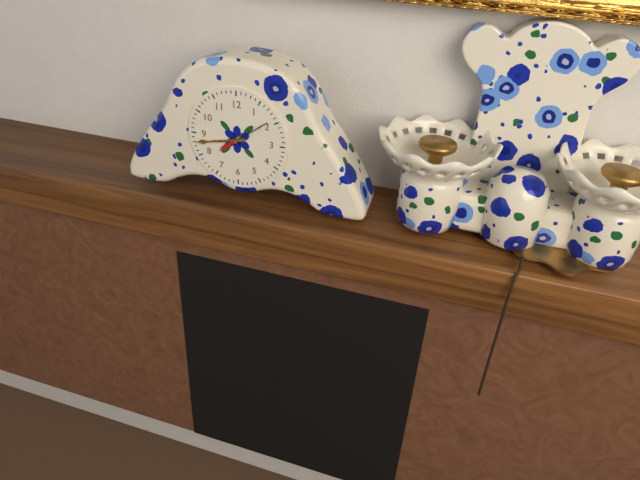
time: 7:43
